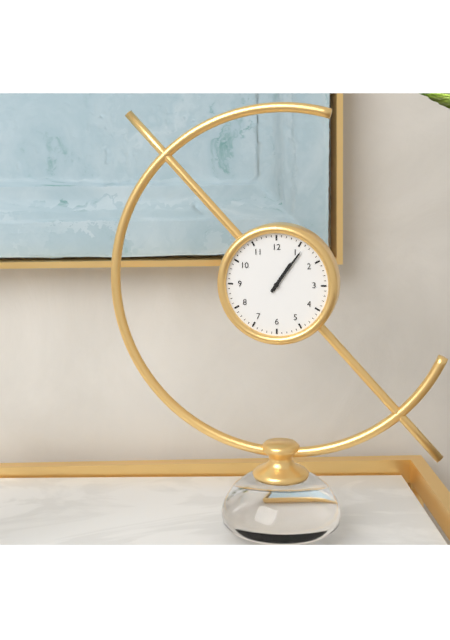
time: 1:06
